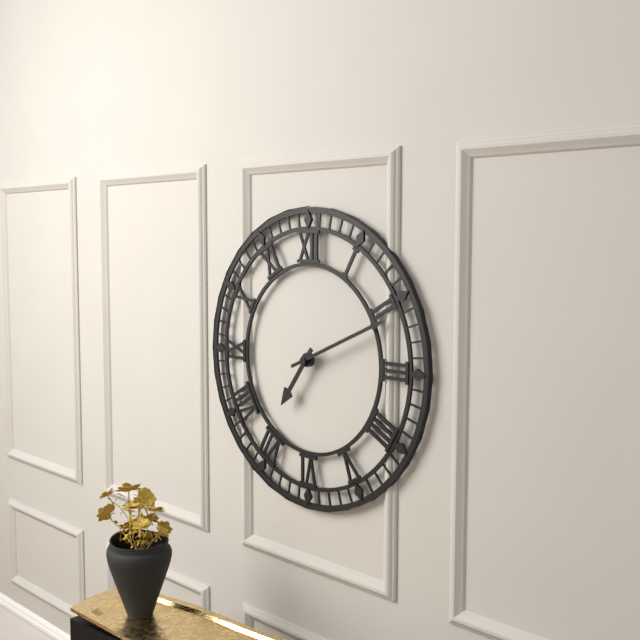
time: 7:11
